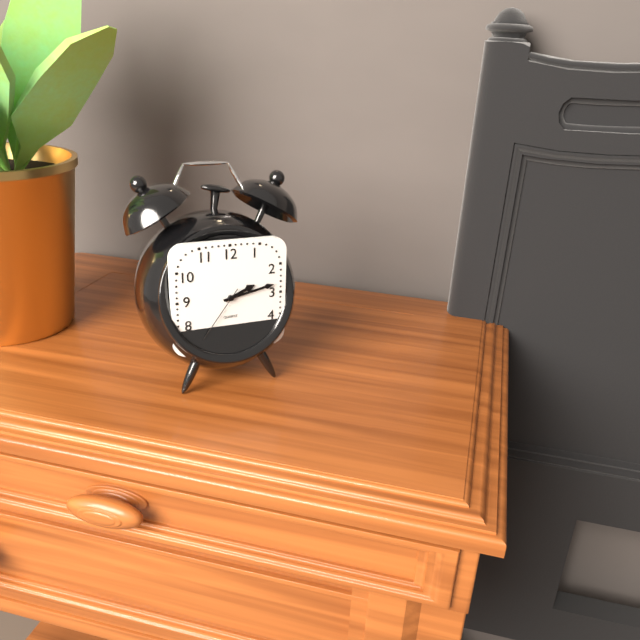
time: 2:13:36
